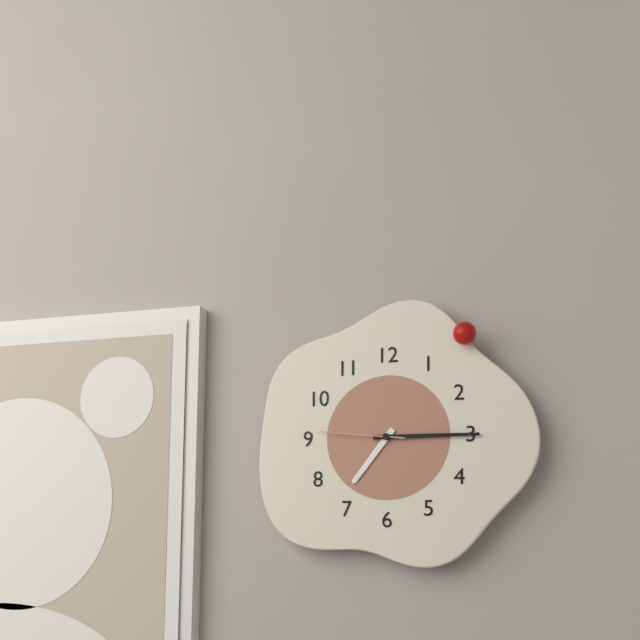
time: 7:15:46
